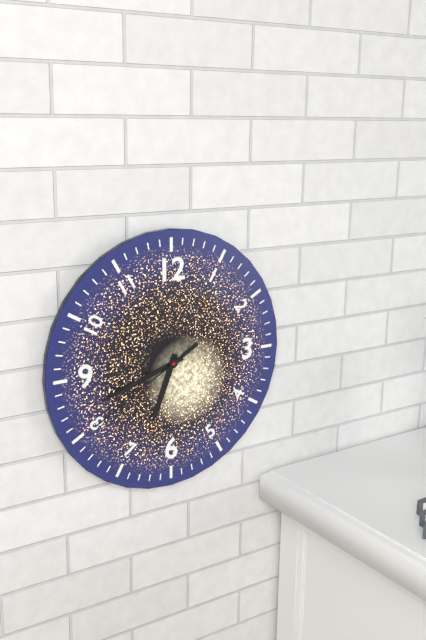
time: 6:42:40
